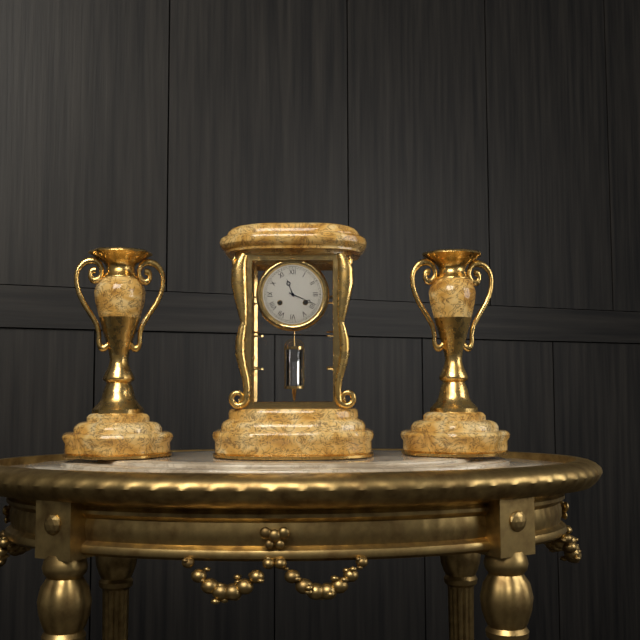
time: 11:19
